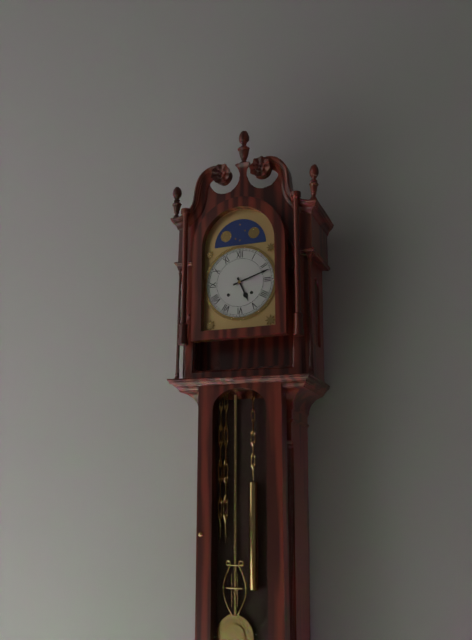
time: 5:12
